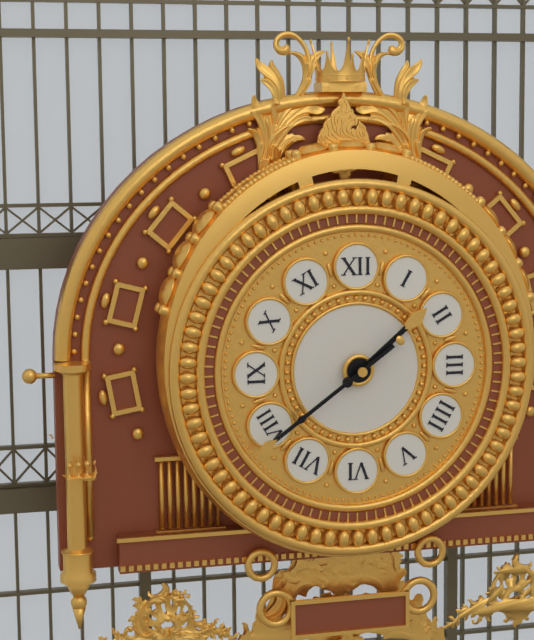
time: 1:39
